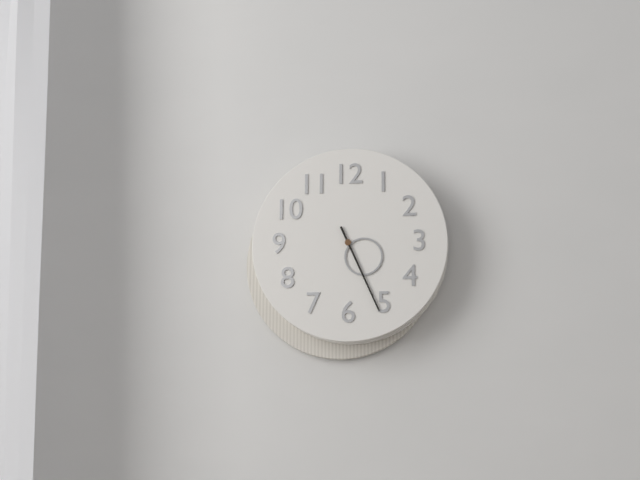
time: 4:26
